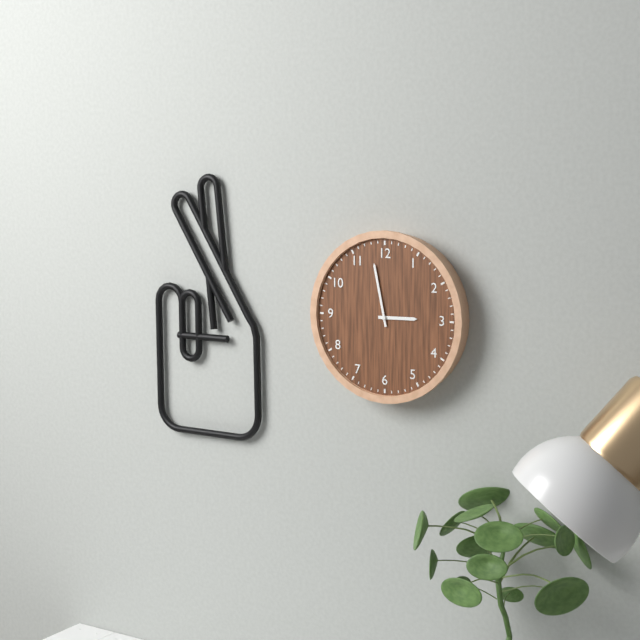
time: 2:58
